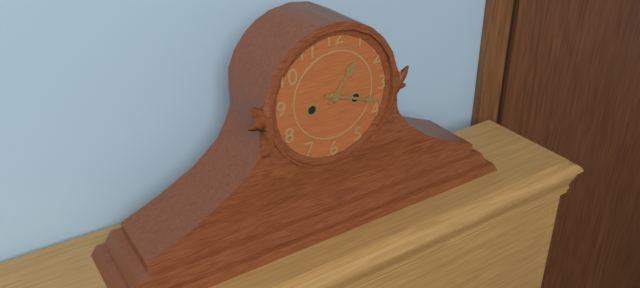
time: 1:18
